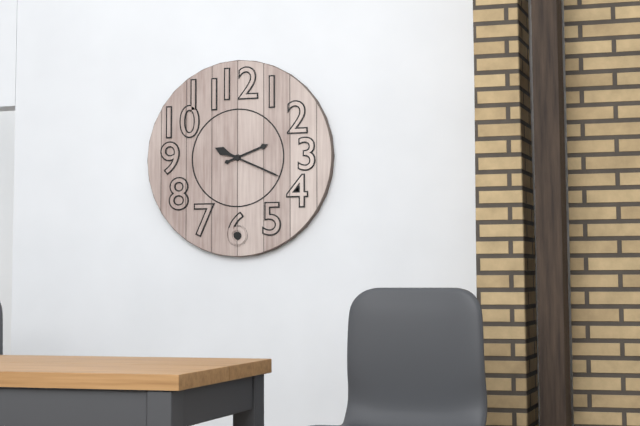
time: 2:19
